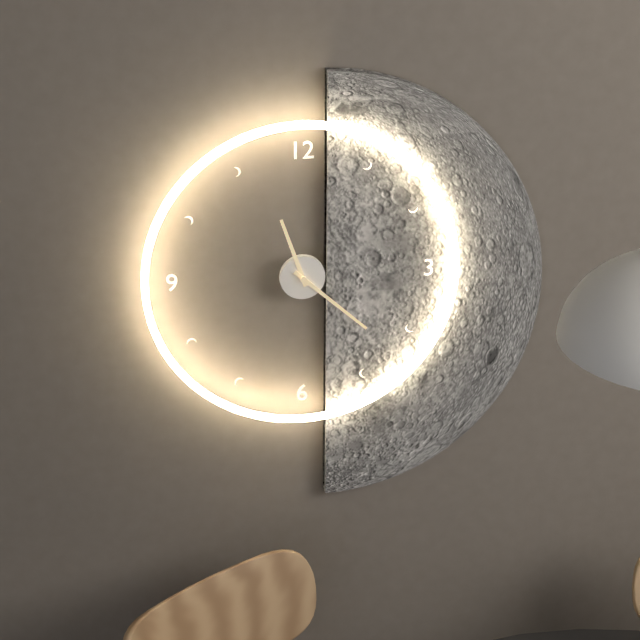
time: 11:22
